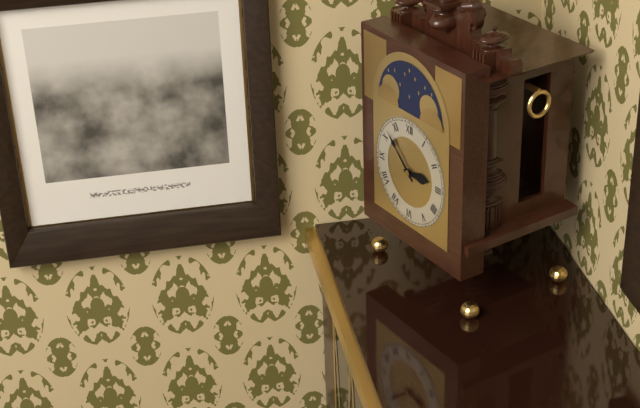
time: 2:52
